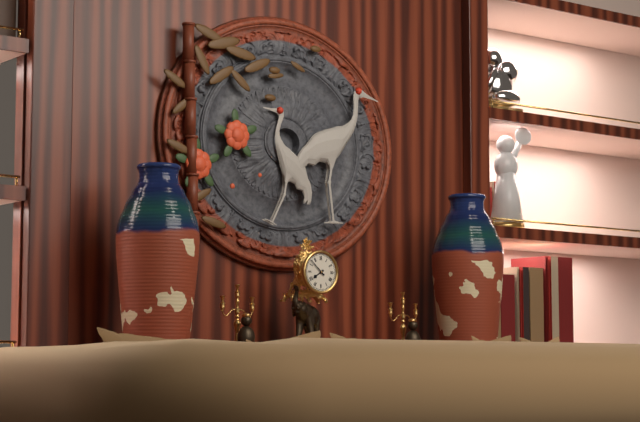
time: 7:52
